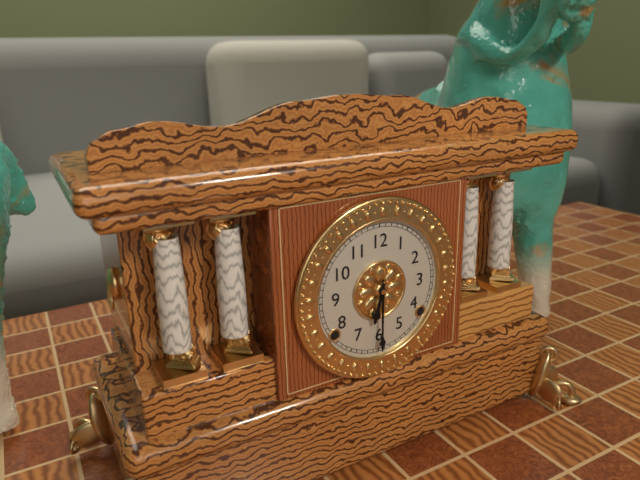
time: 6:30
